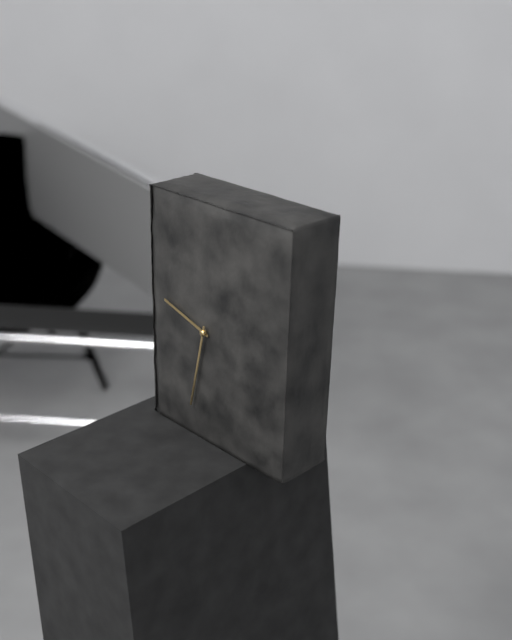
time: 9:32
